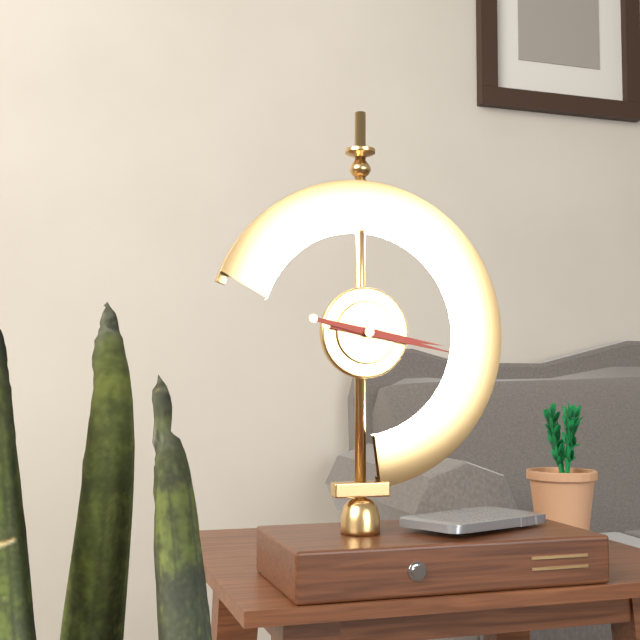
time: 3:17
